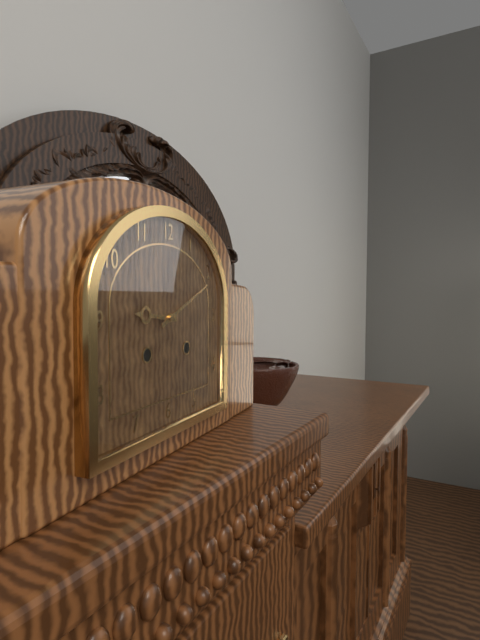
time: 9:11
